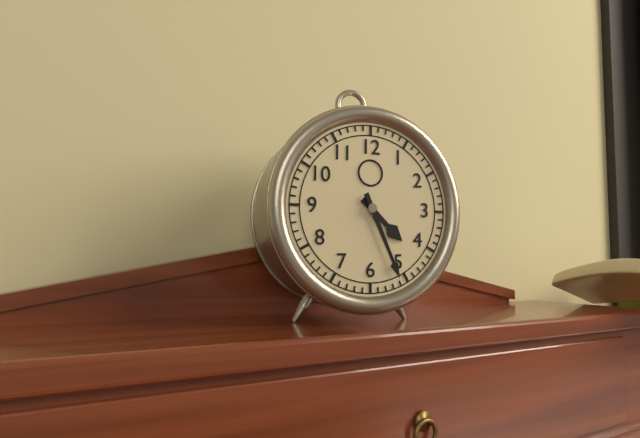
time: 4:26
